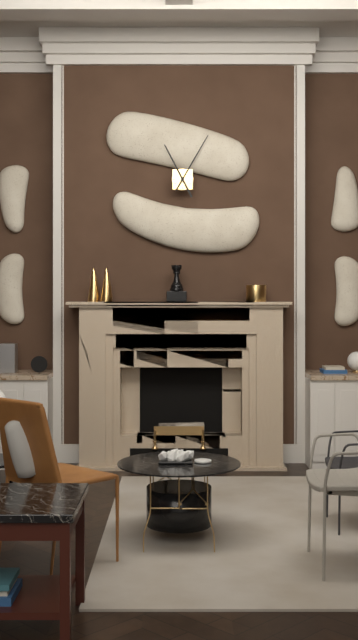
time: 11:05
